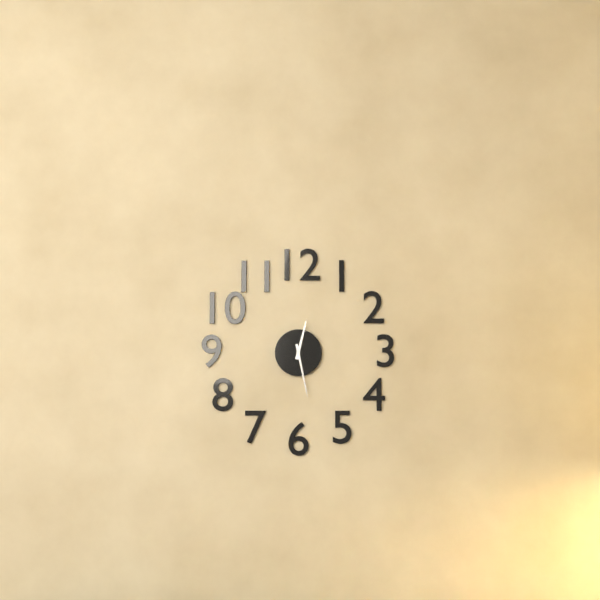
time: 12:28
